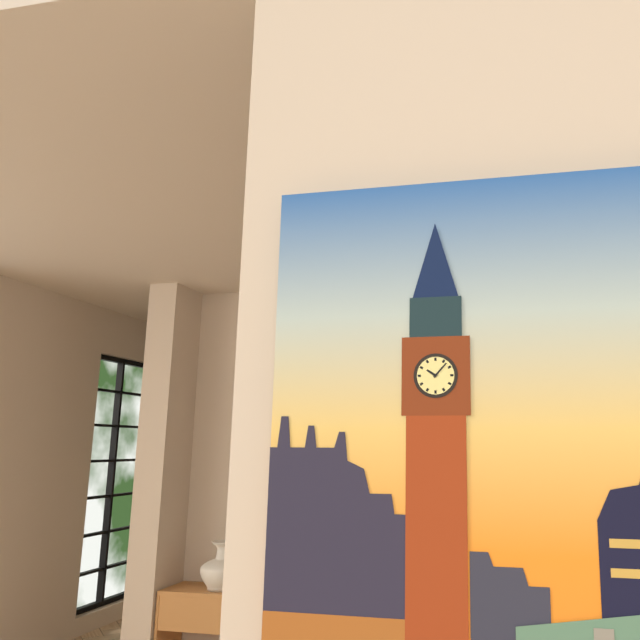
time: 10:07
